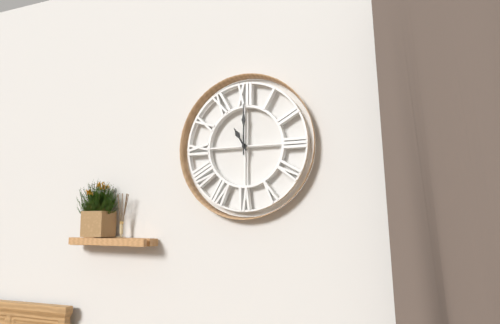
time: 11:00
